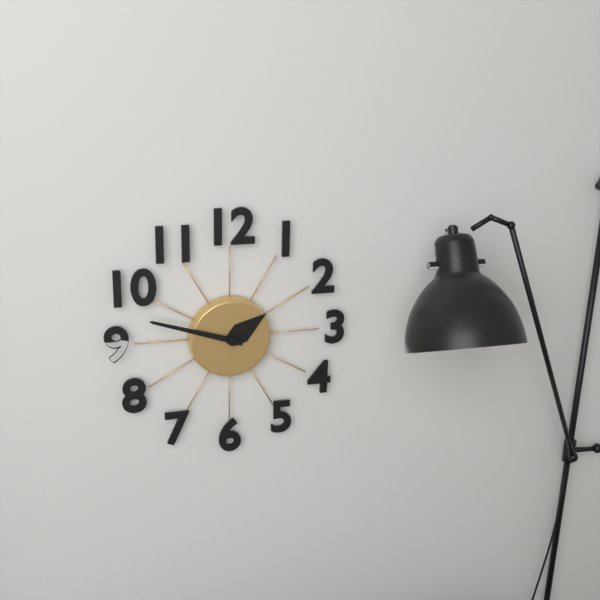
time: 1:48
